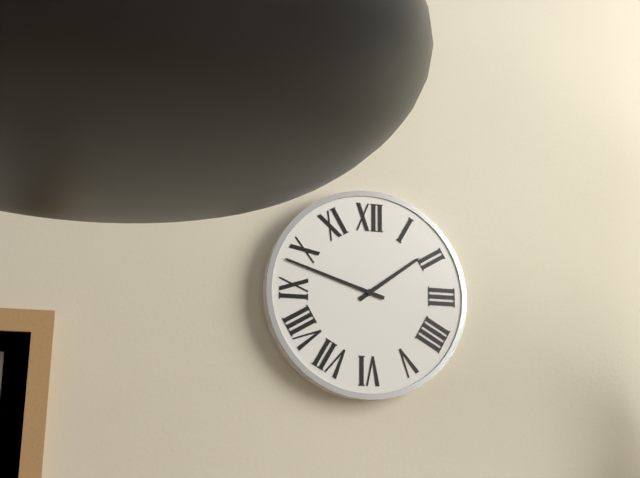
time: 1:48
